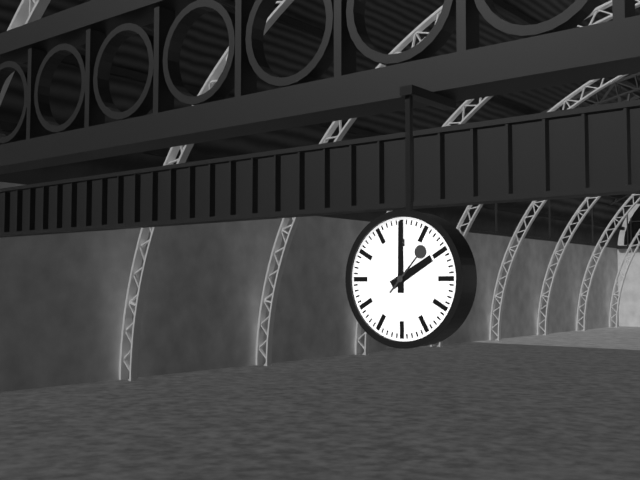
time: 2:00
